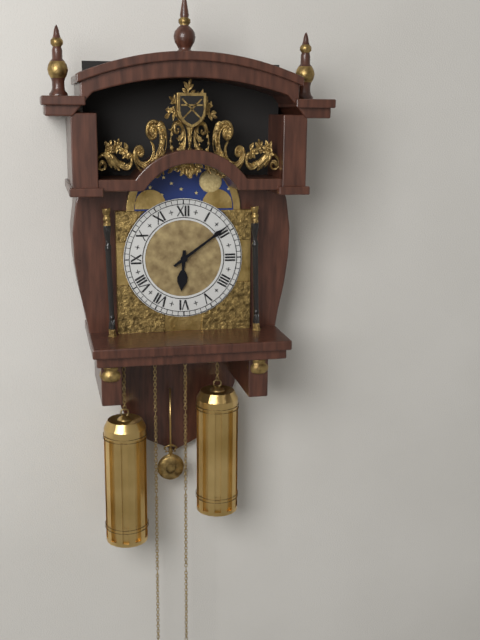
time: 6:09
